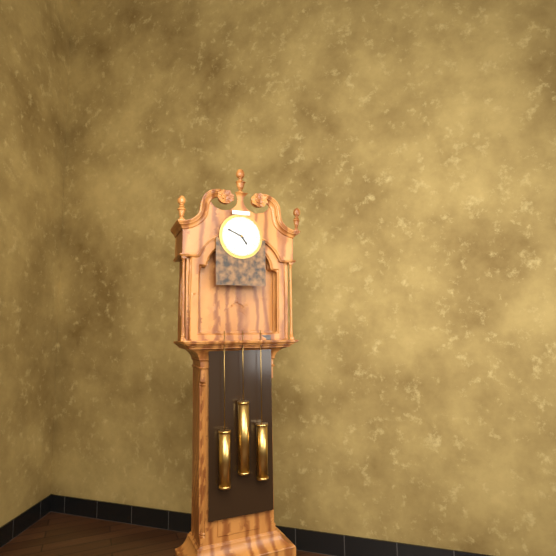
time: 4:49
